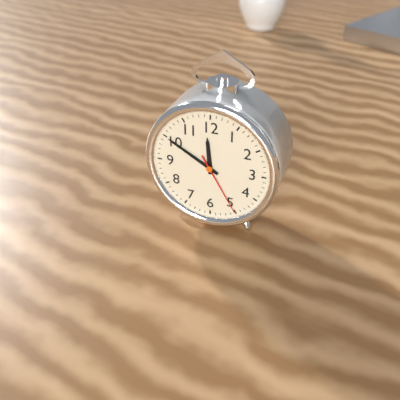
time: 11:50:25
